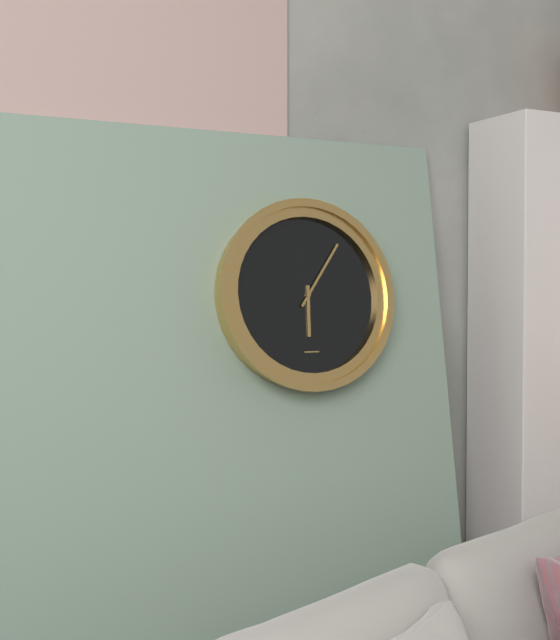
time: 6:06
